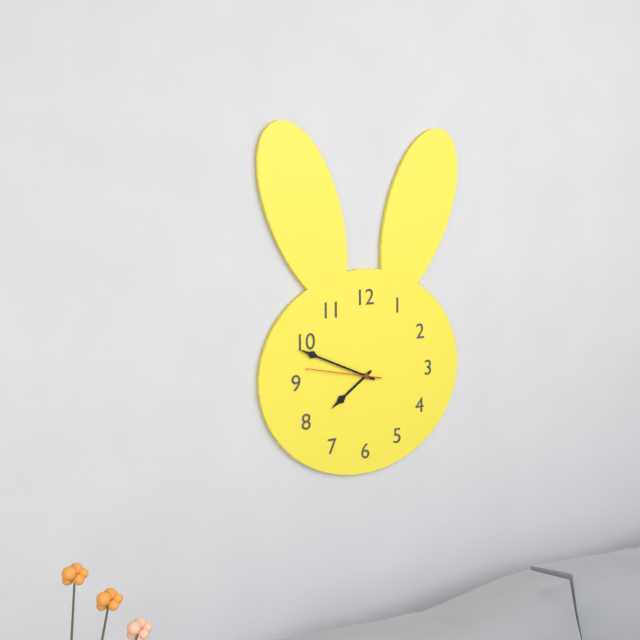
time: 7:49:47
